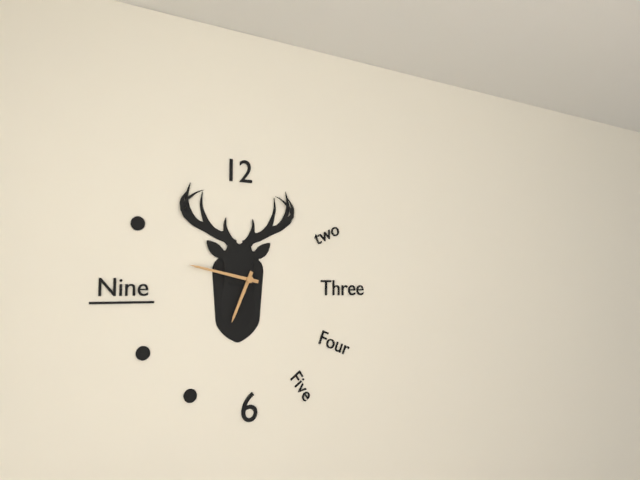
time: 6:47
